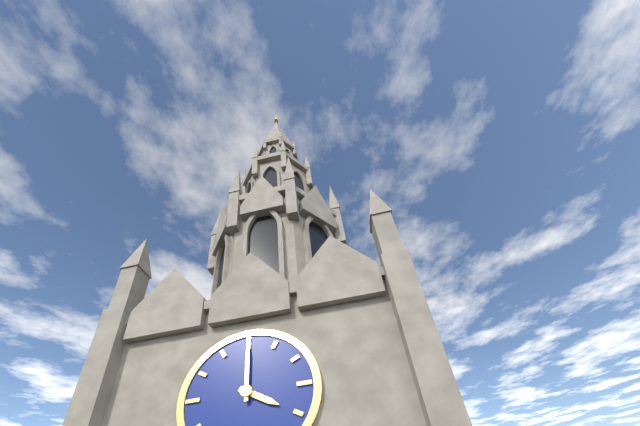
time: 4:00
